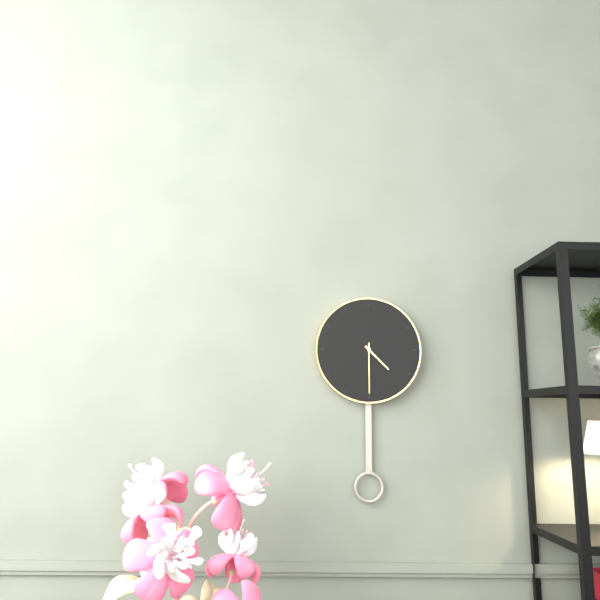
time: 4:30
